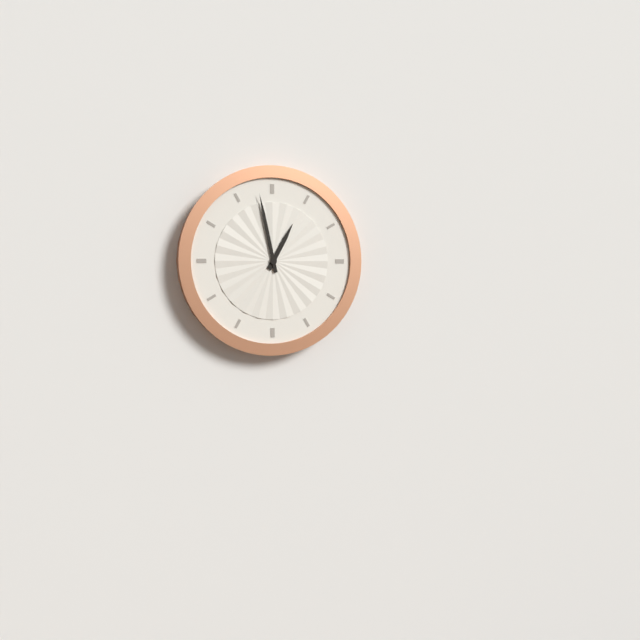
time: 12:58
